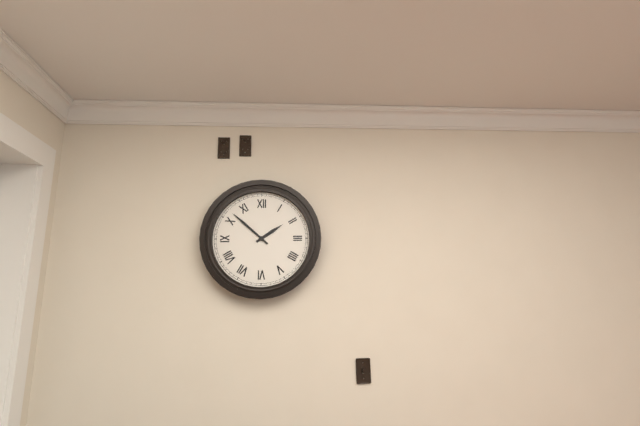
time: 1:52
